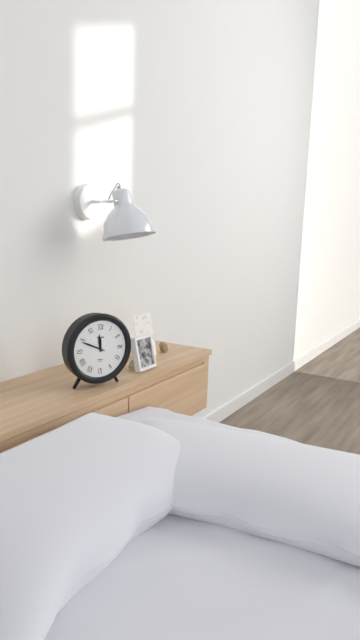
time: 11:49
